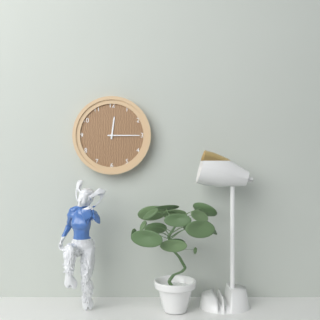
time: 12:15
